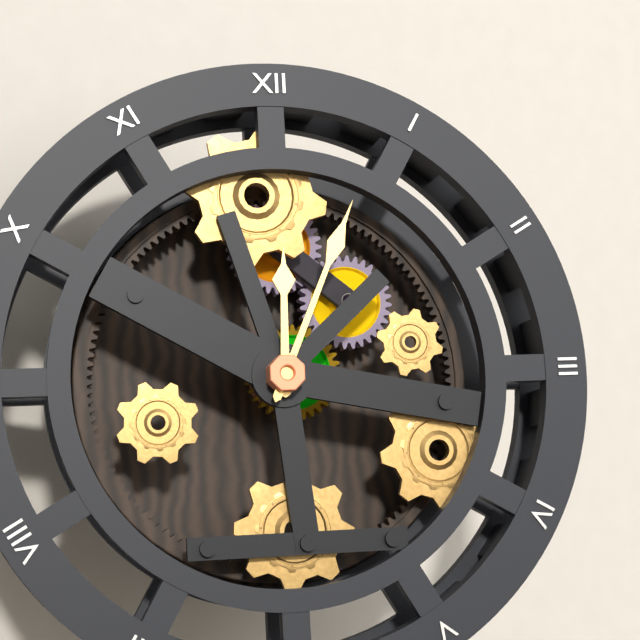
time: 12:04
